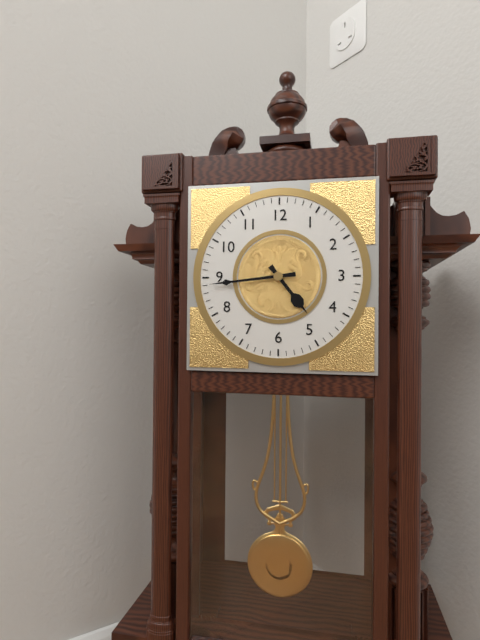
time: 4:44
